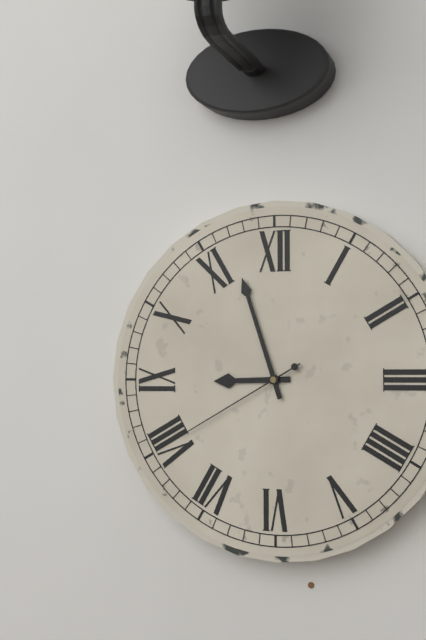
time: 8:57:40
